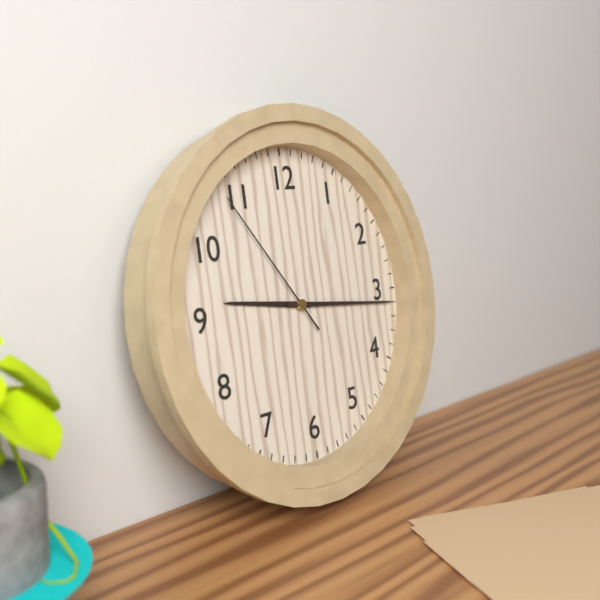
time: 9:16:54
